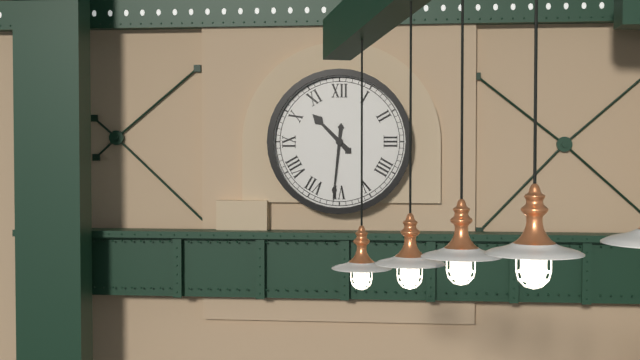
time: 10:31
